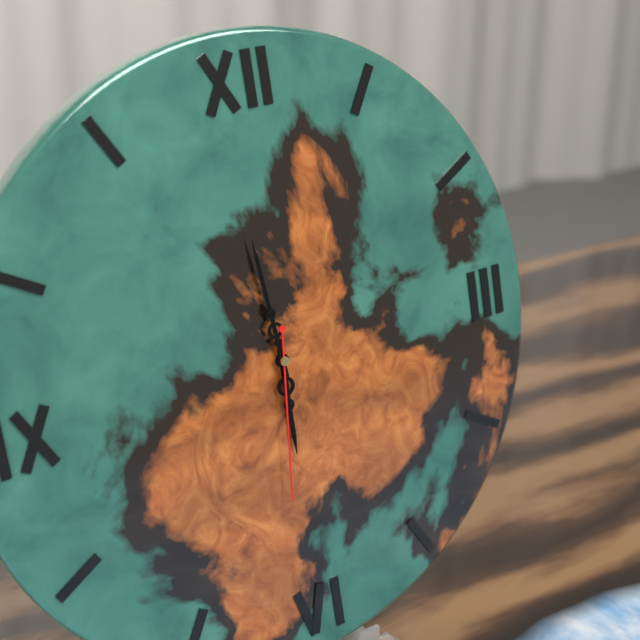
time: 5:59:31
